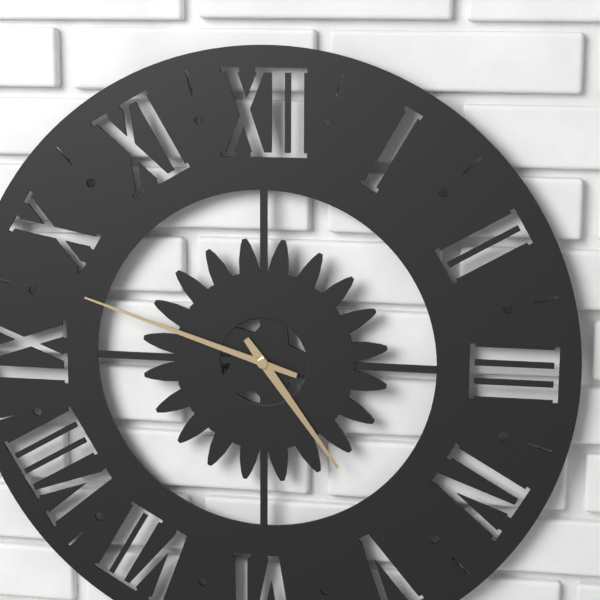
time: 4:48
